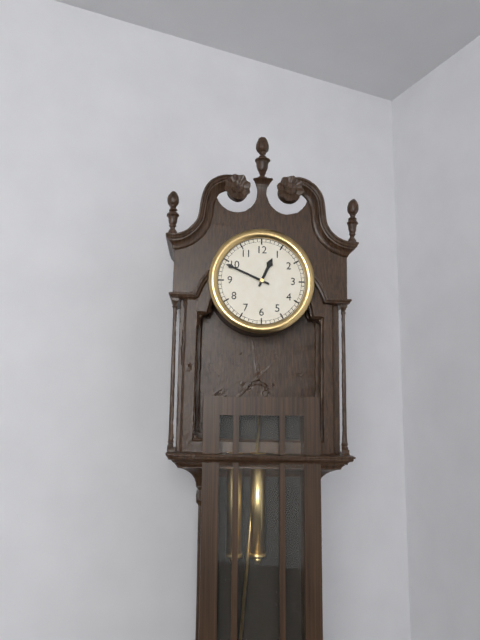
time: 12:49
